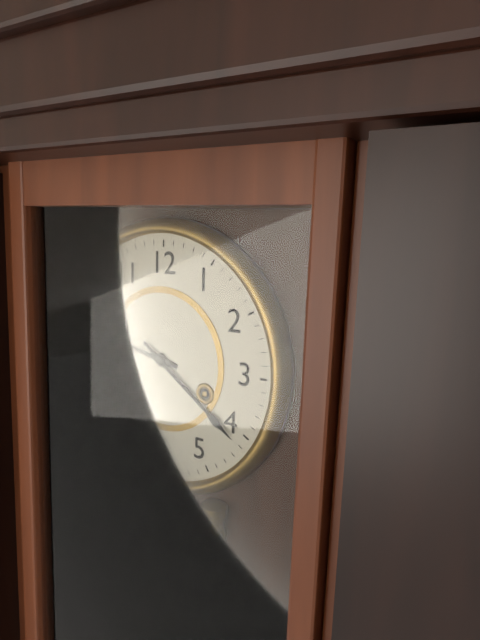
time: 9:21
